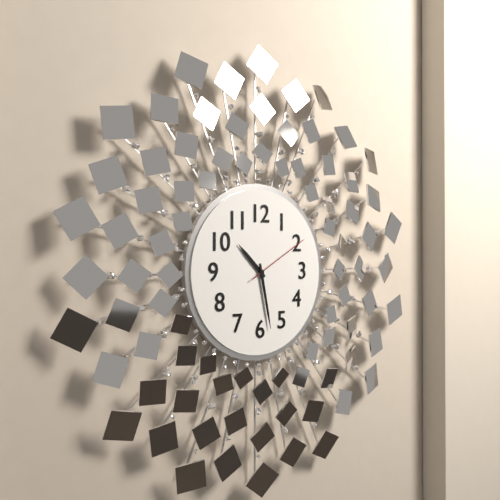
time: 10:28:10
